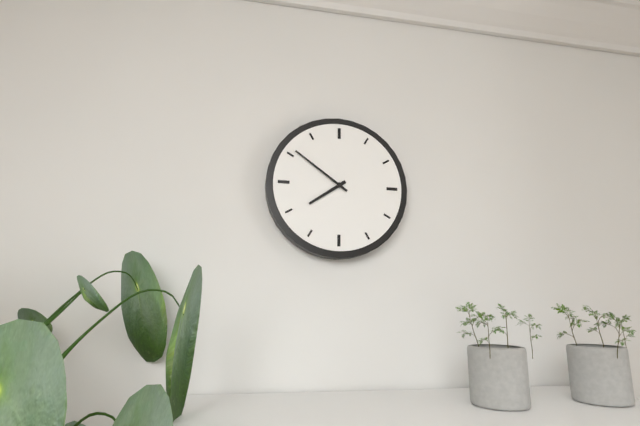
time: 7:51
